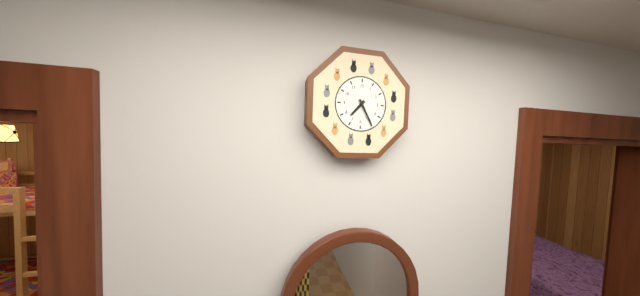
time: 7:25
